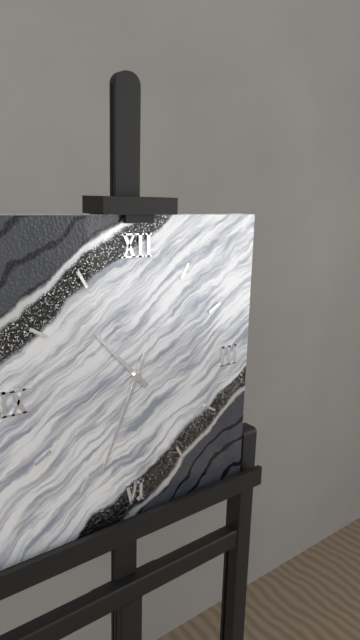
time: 10:34
